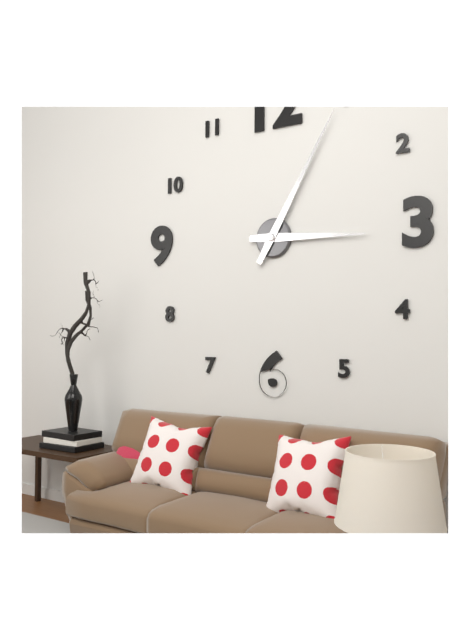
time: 3:05
